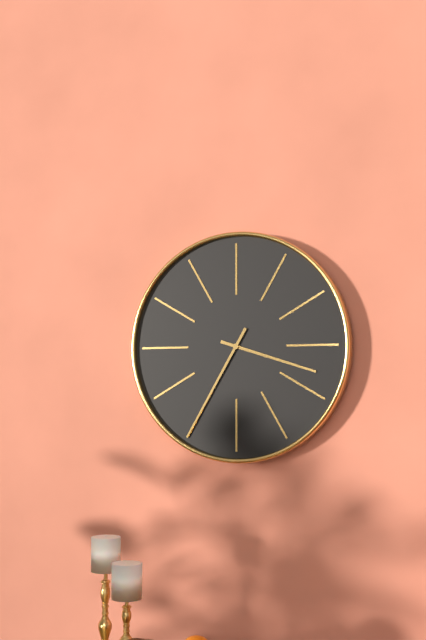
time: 3:35
